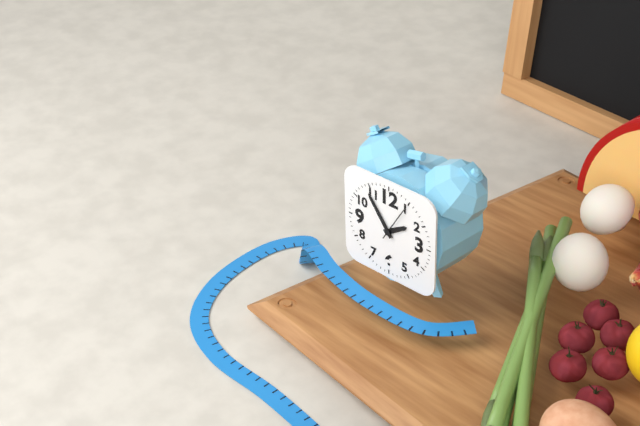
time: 1:54
